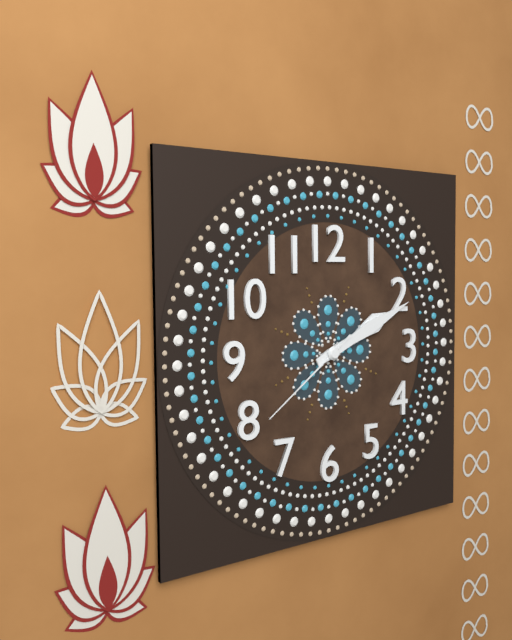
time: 2:11:39
